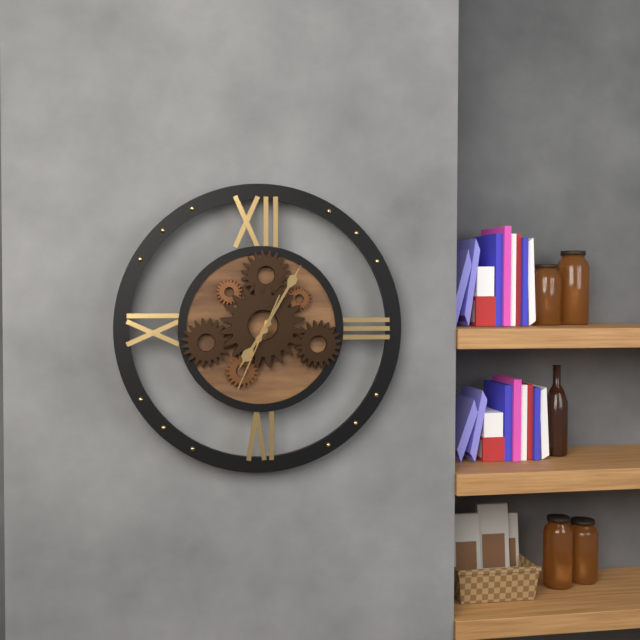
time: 7:05:34
